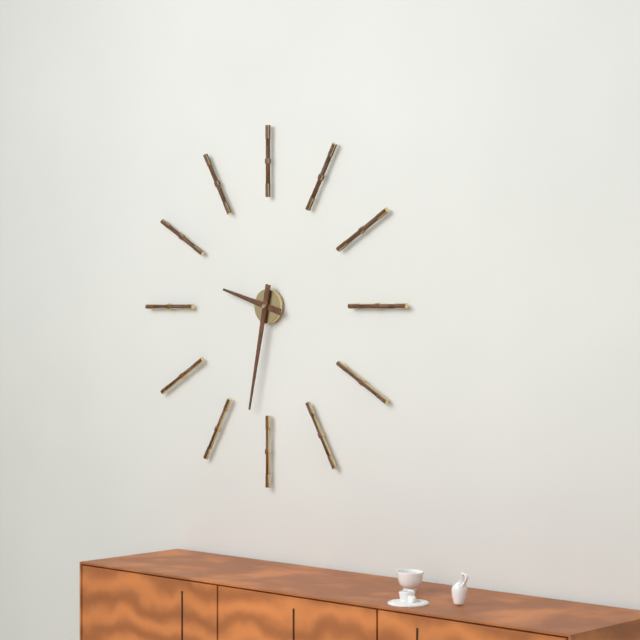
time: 9:32
